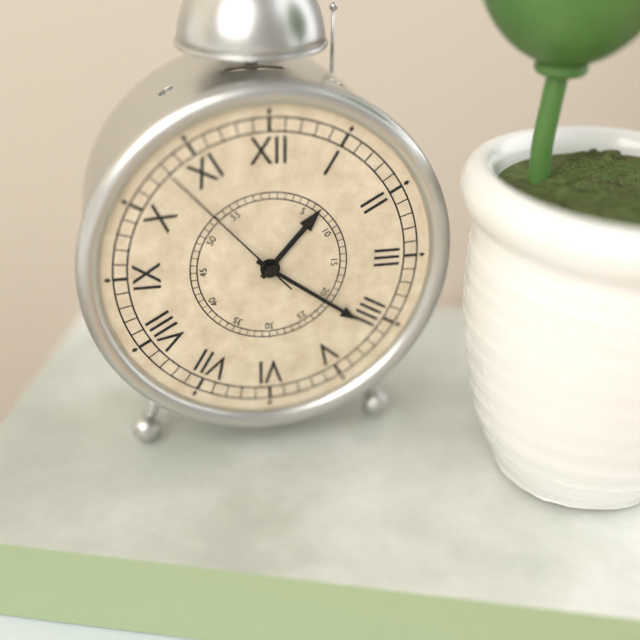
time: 1:21:53
